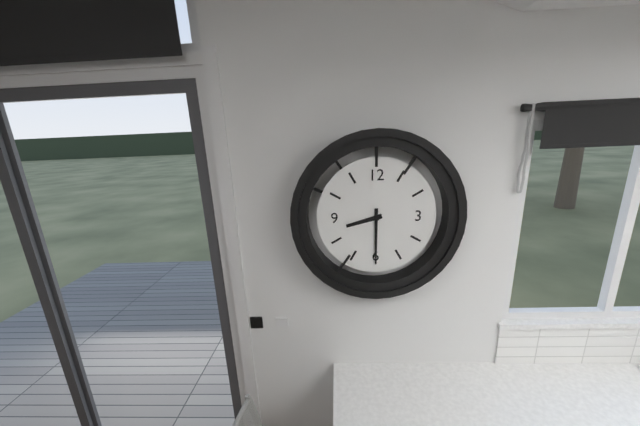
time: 8:30
